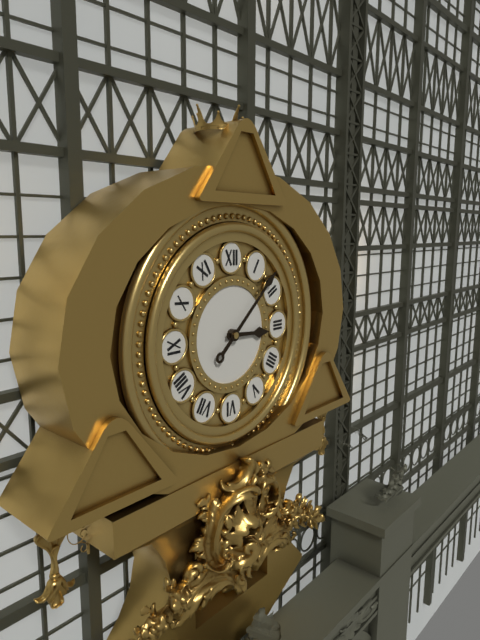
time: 3:08
